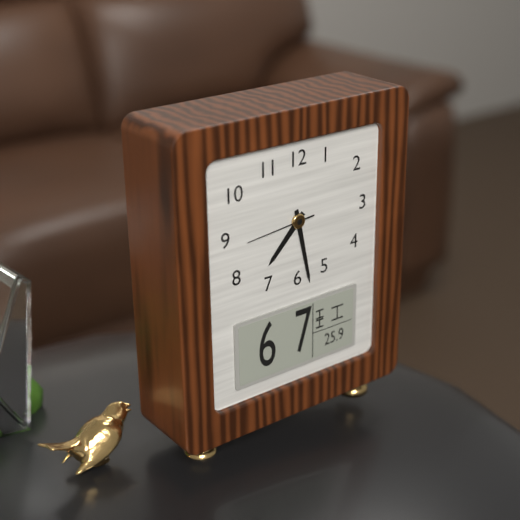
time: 7:28:44
